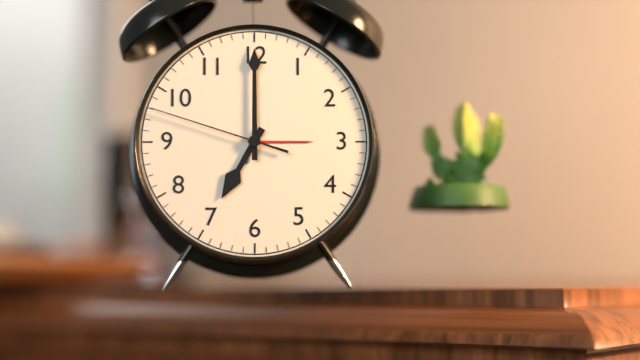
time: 7:00:48
